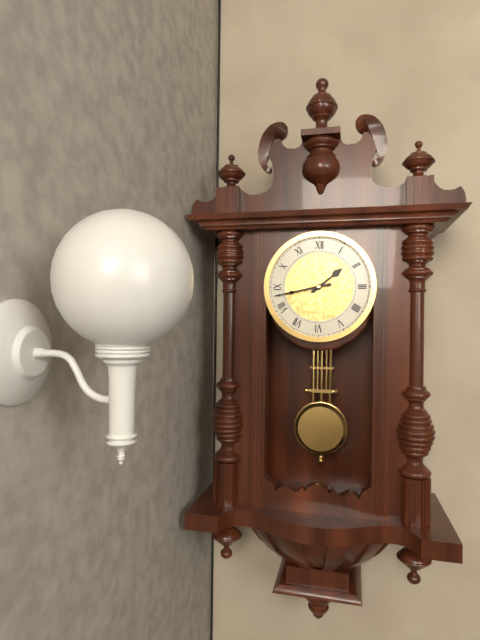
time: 1:43
